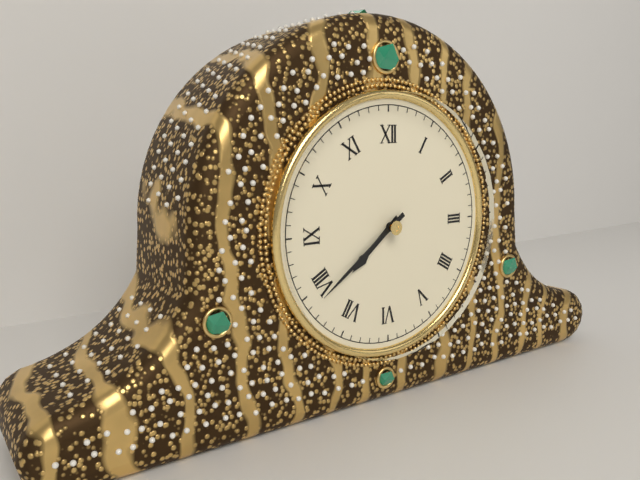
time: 7:39
